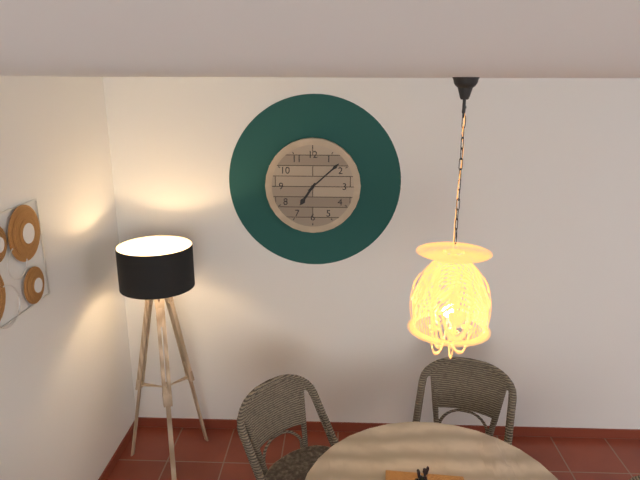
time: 7:08
